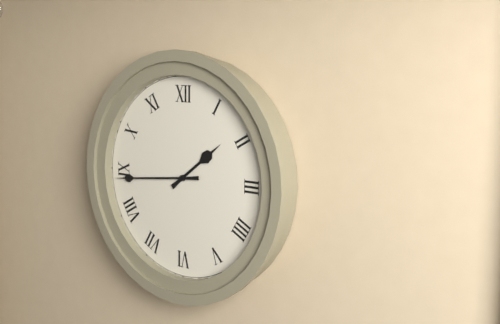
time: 1:44
